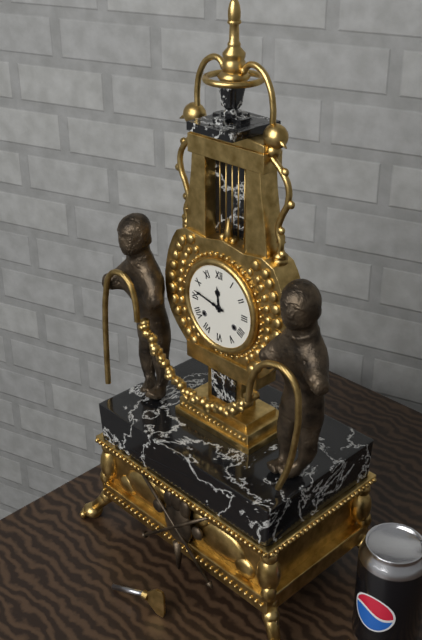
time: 11:47
